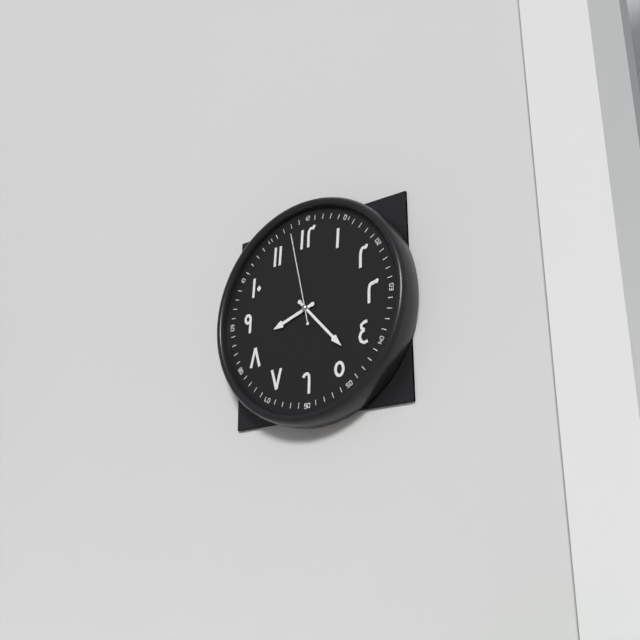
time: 8:23:58
